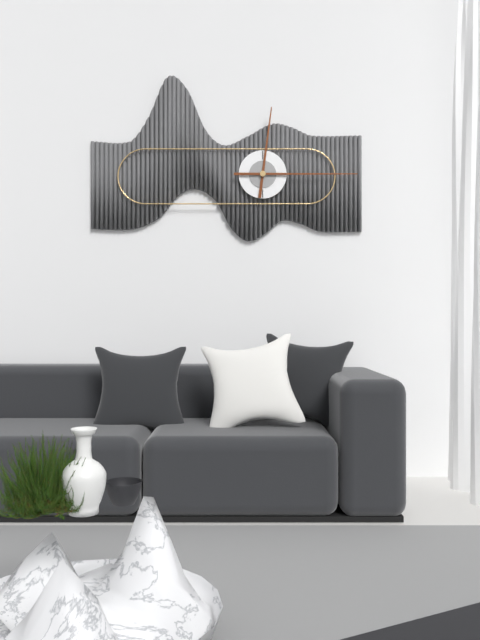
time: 12:15
